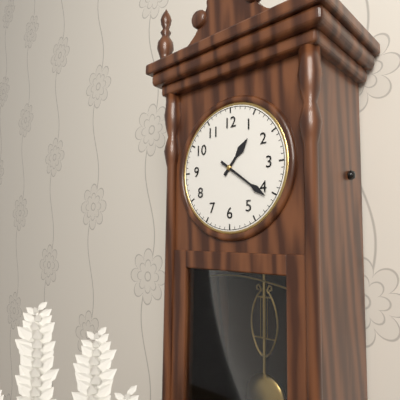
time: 1:21
